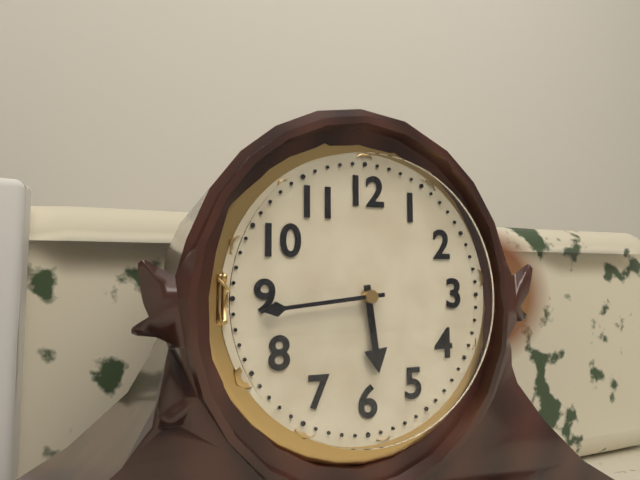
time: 5:44
